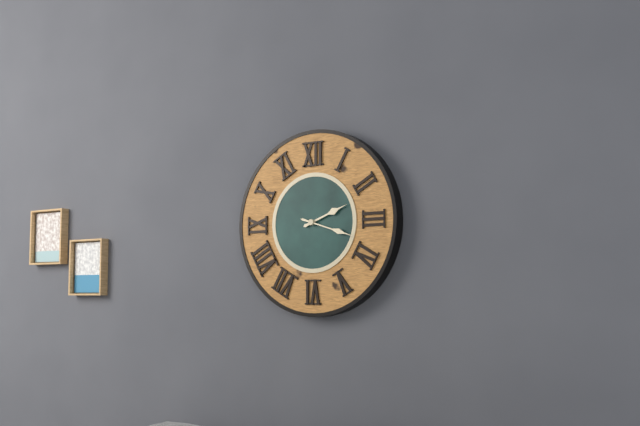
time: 2:18
